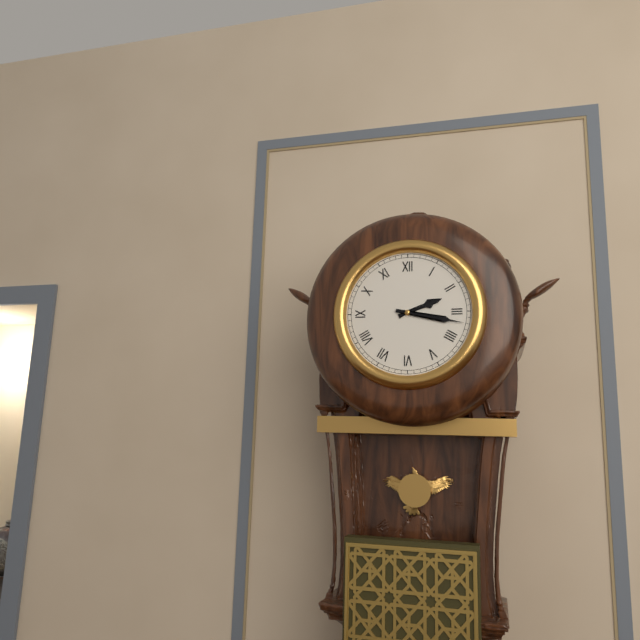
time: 2:17
